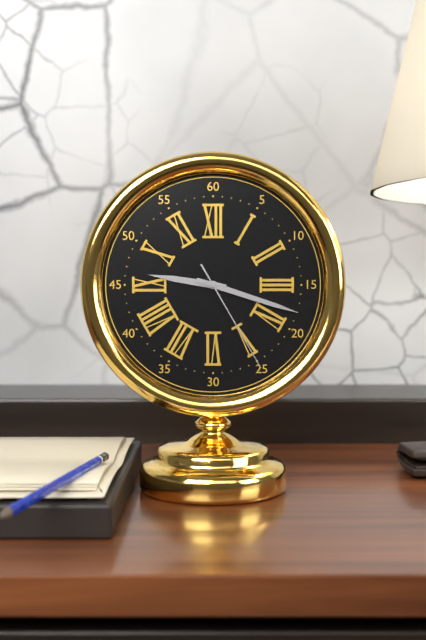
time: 9:18:25
